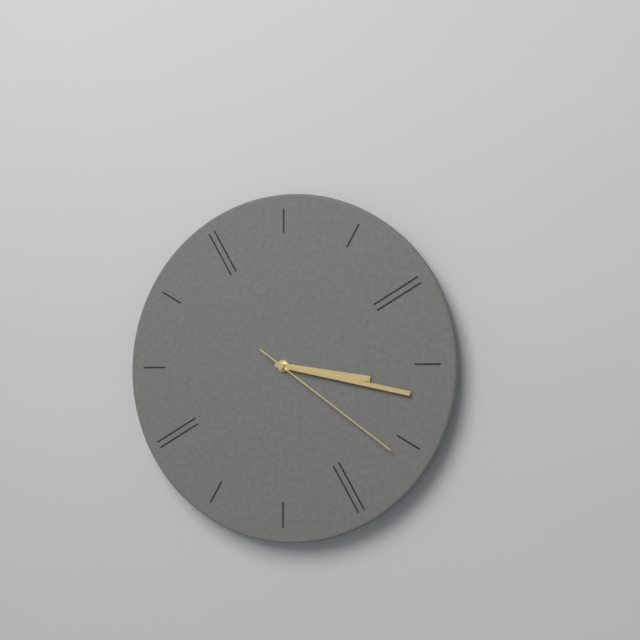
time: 3:17:21
